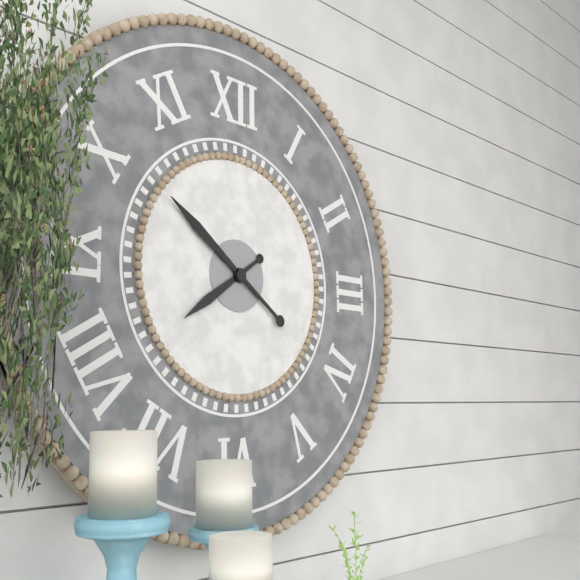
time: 7:51
